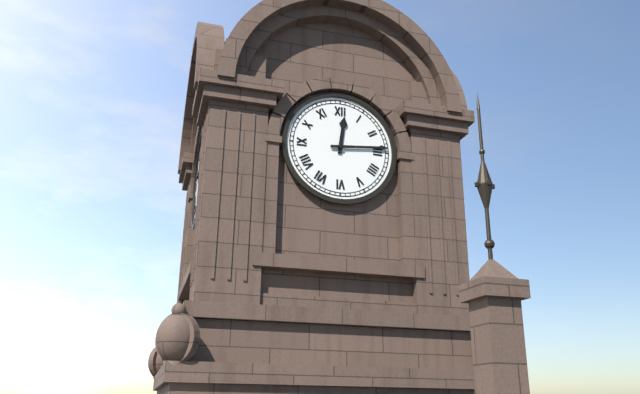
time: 12:14
